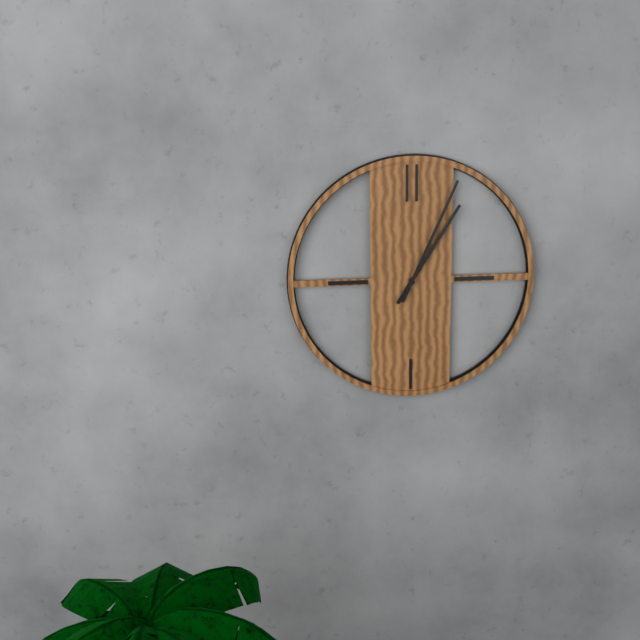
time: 1:04
